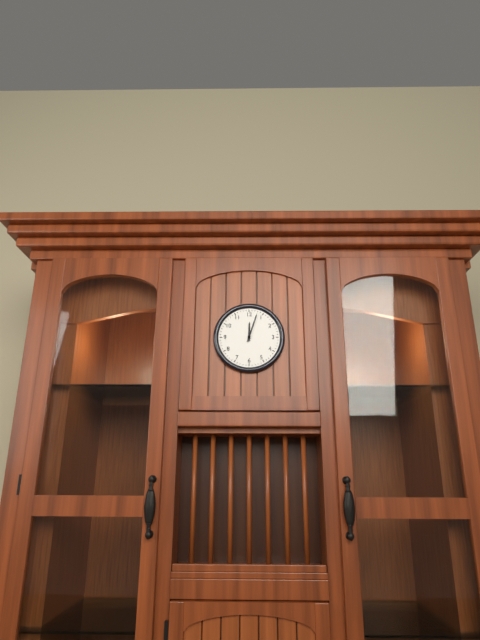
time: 12:03
